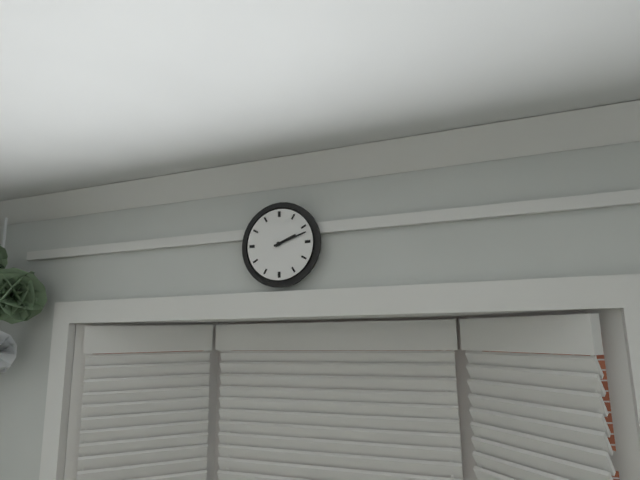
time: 2:12
